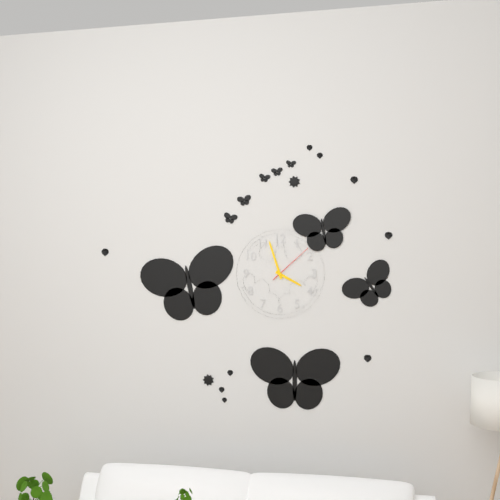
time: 3:57
